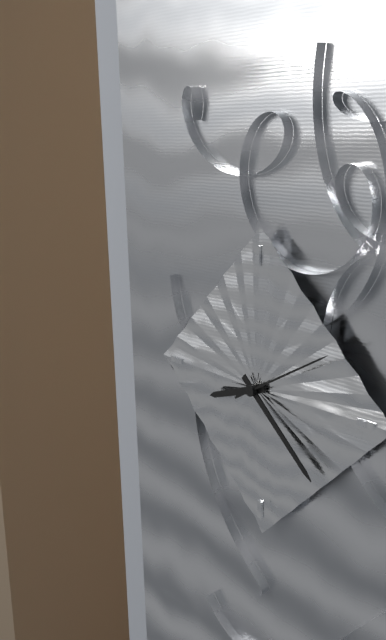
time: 8:22:10
